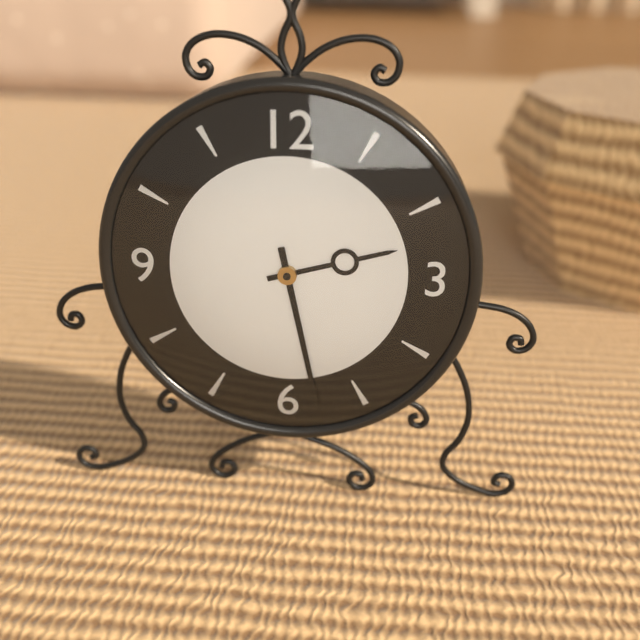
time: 2:28
